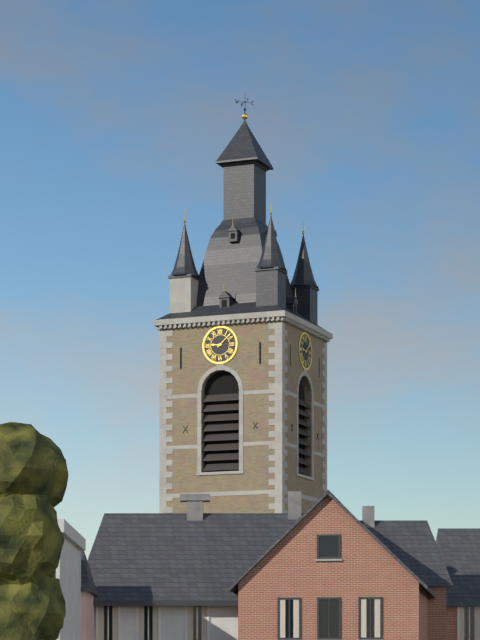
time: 9:08
